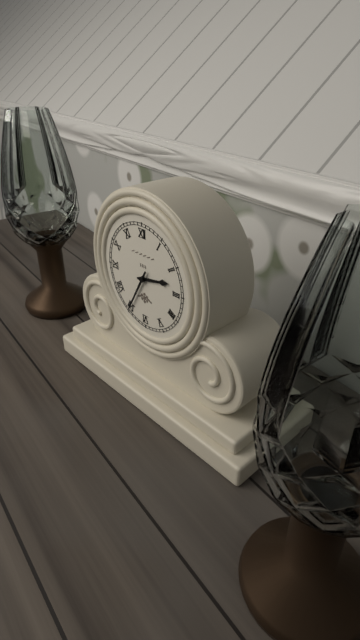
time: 2:35
